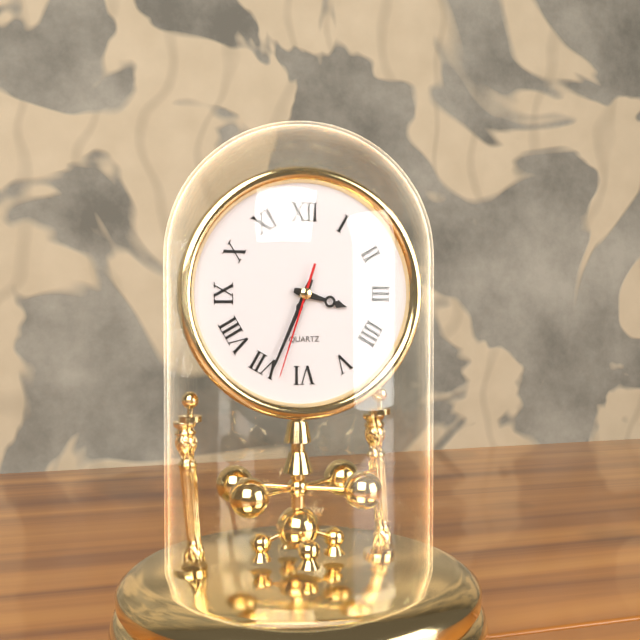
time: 3:34:33
